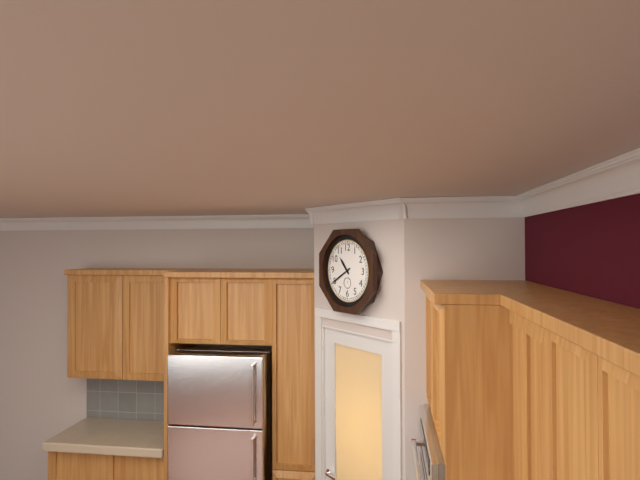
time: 10:40
